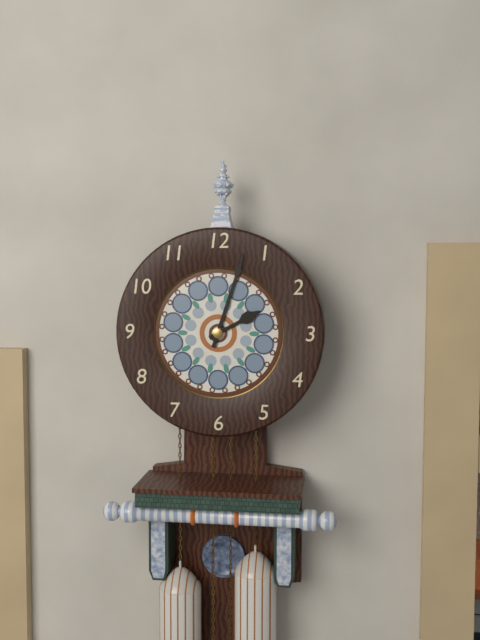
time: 2:03
